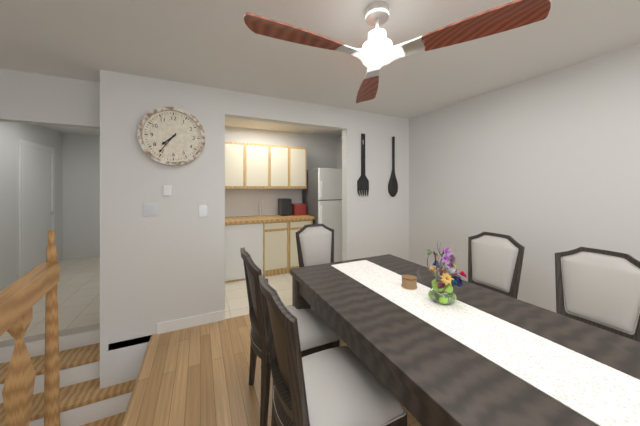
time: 7:36
